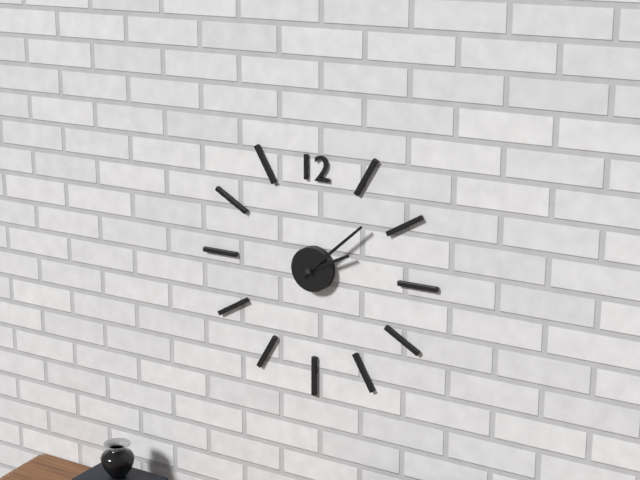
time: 2:08
